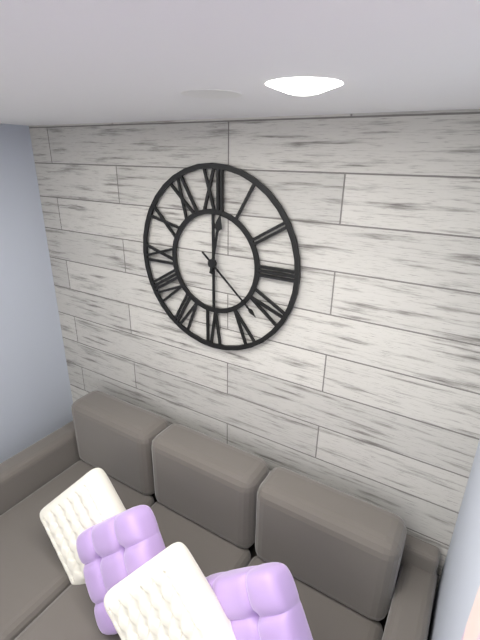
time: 12:22
